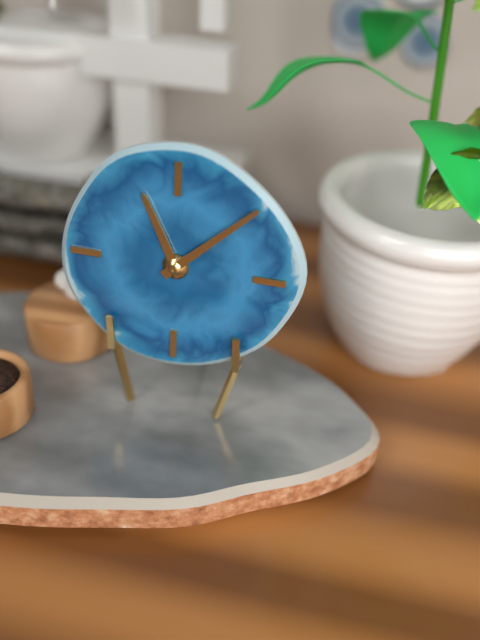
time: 11:08
